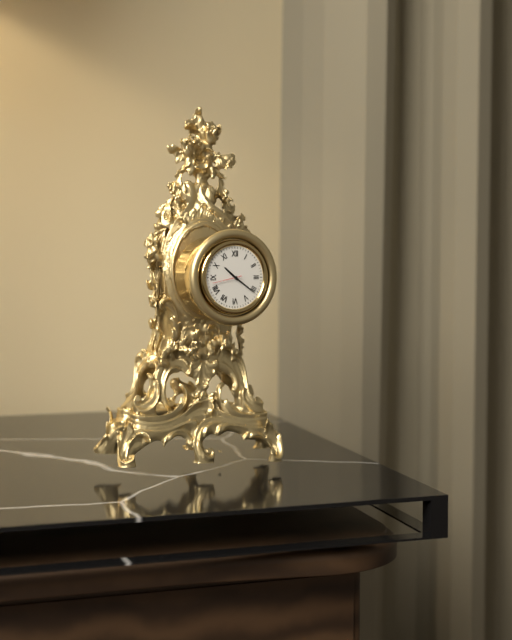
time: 10:21
